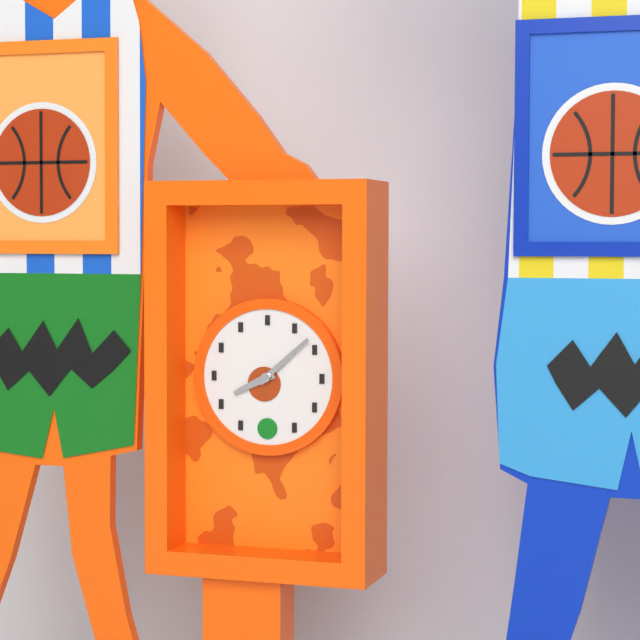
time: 8:08
